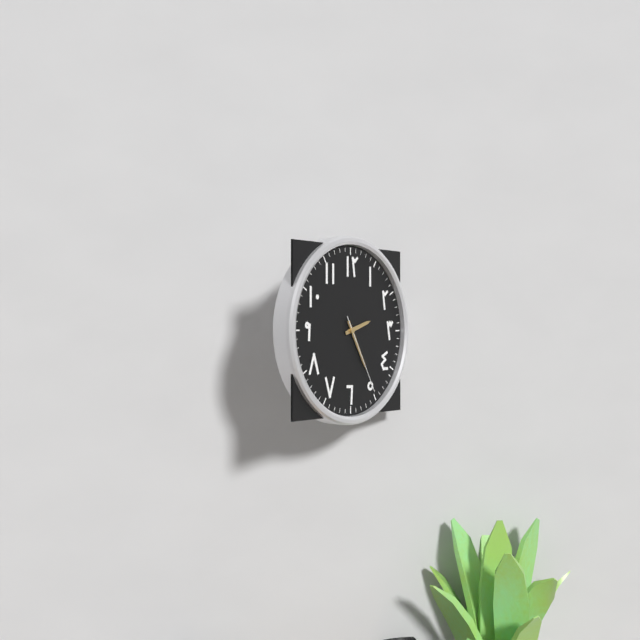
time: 2:25:25
